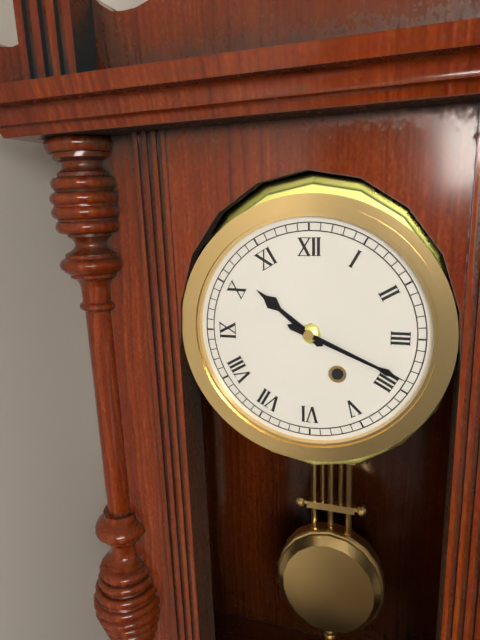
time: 10:19
